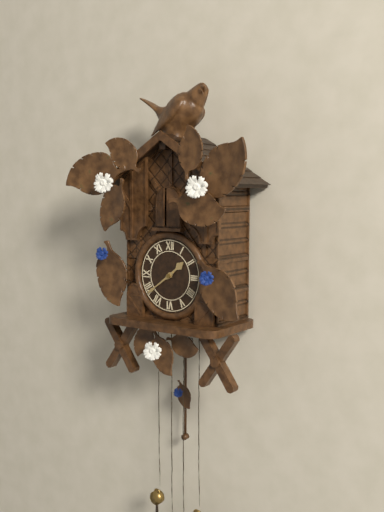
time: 1:39
